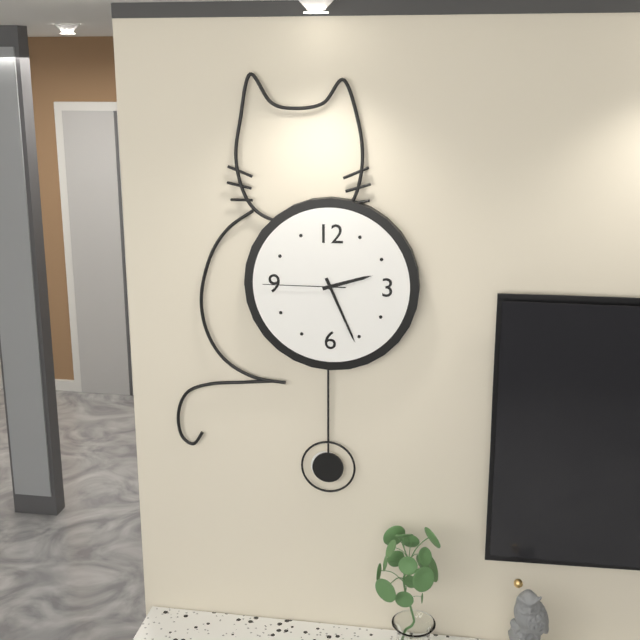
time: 2:26:45
